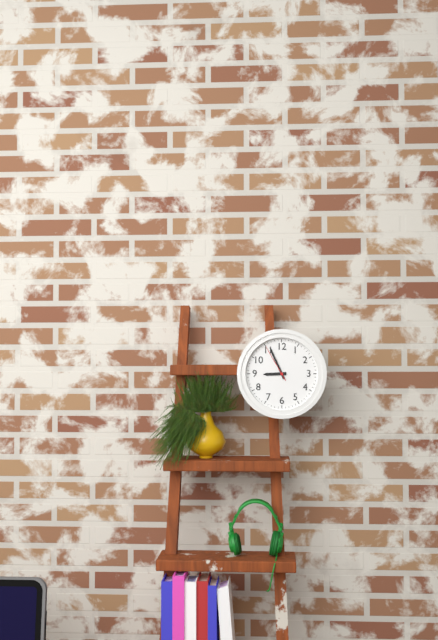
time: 8:56
